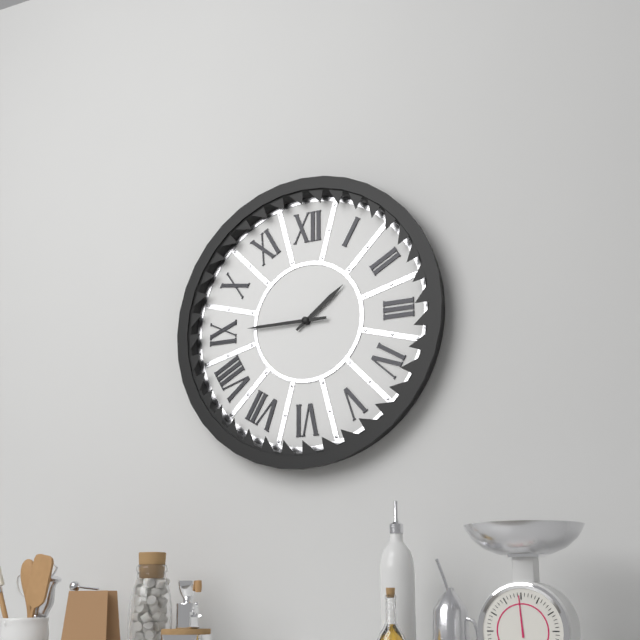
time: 1:45
